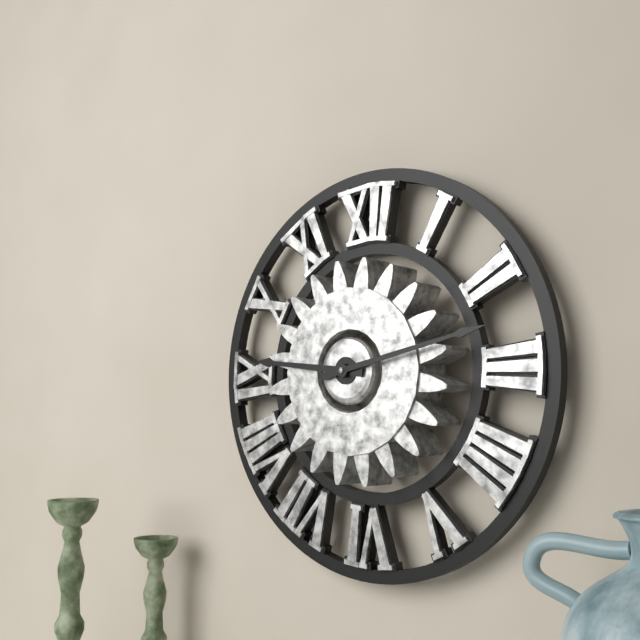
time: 9:13
